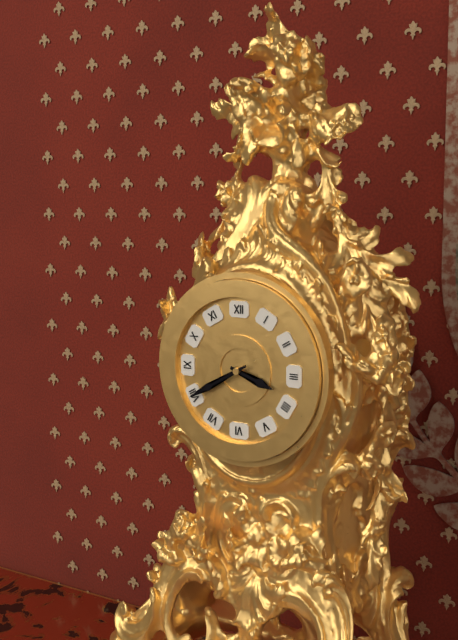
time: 3:40
